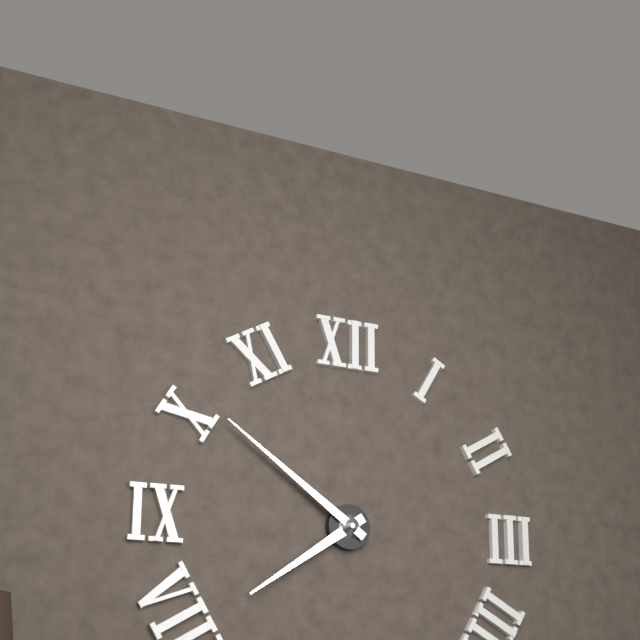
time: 7:51
